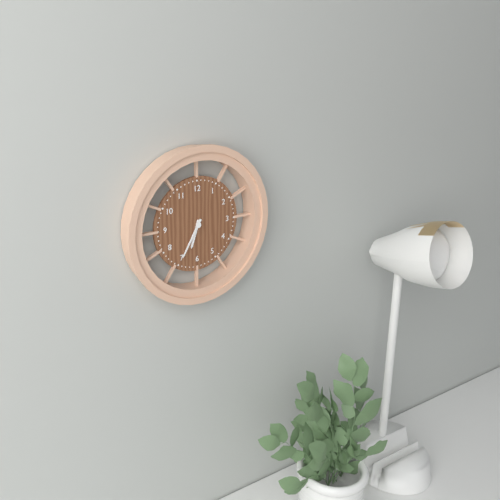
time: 6:35
